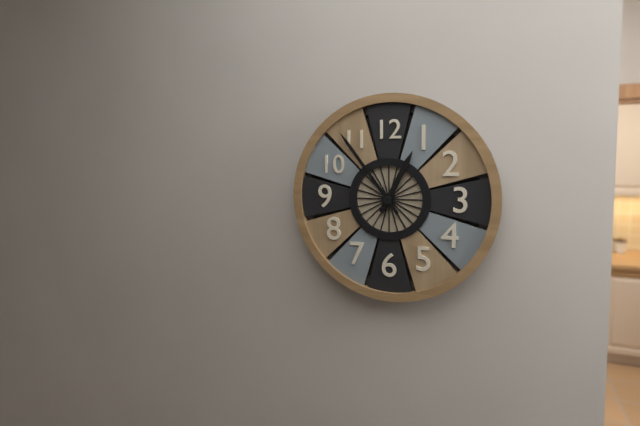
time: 12:54
